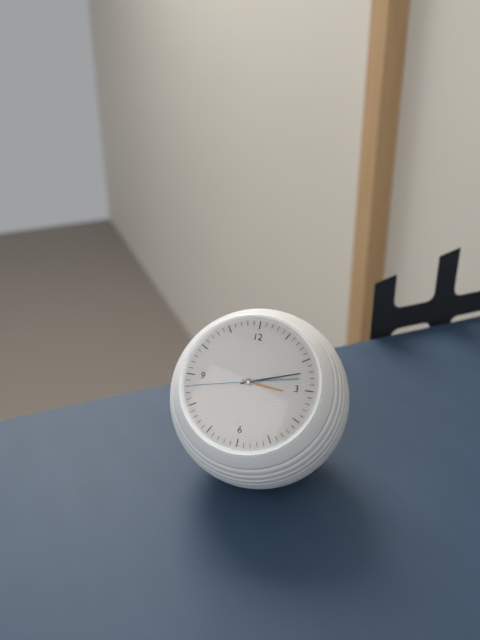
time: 3:12:43
